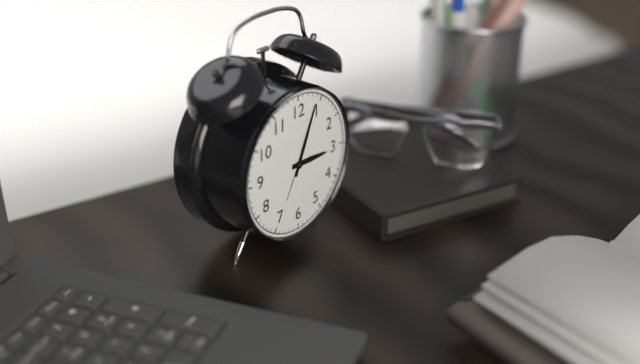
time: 3:04
